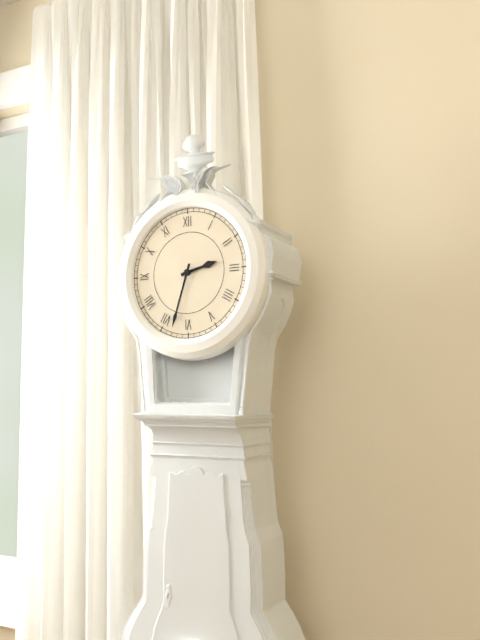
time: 2:33
